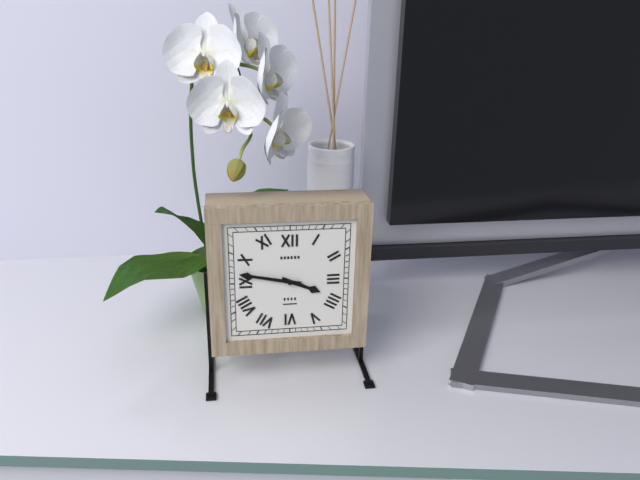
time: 3:47
